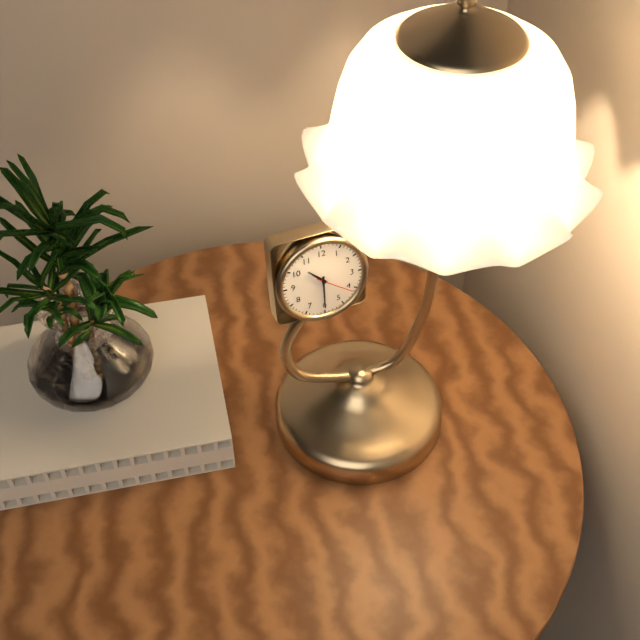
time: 10:30
